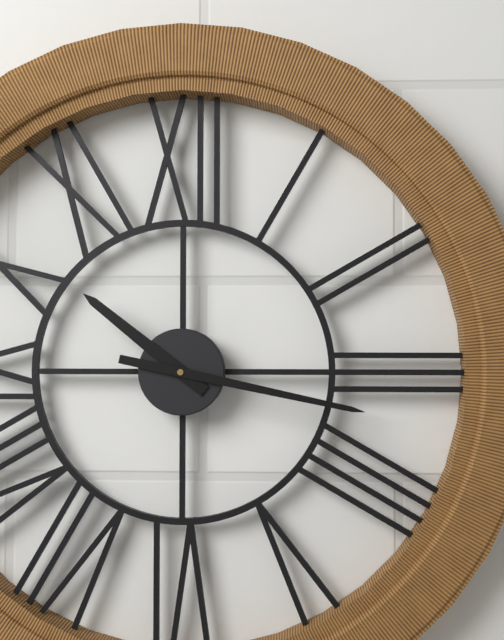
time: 10:17
